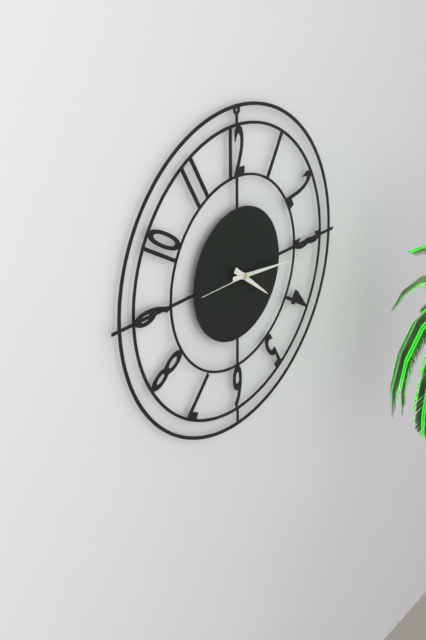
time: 4:16:45
